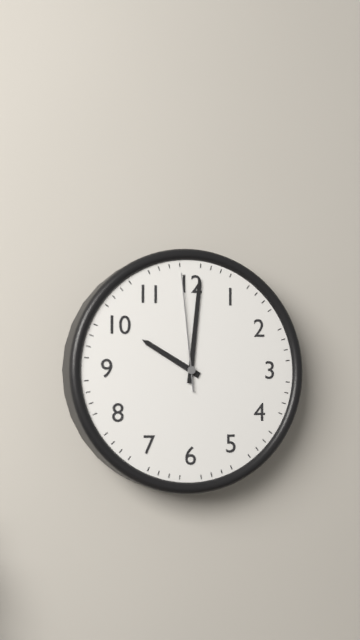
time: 10:01:59
